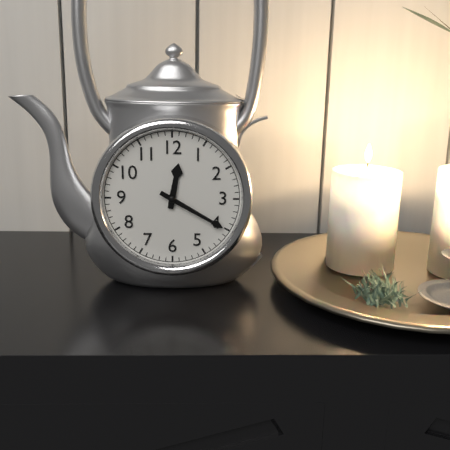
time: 12:20
